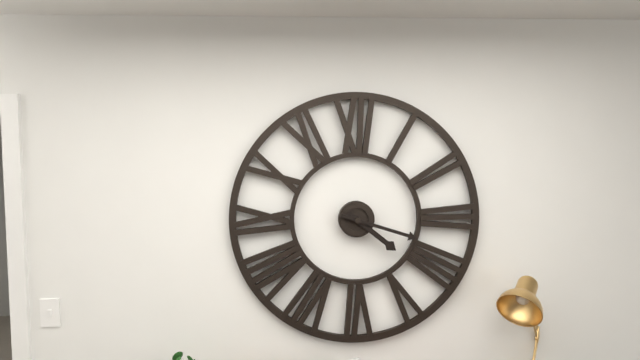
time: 4:18
